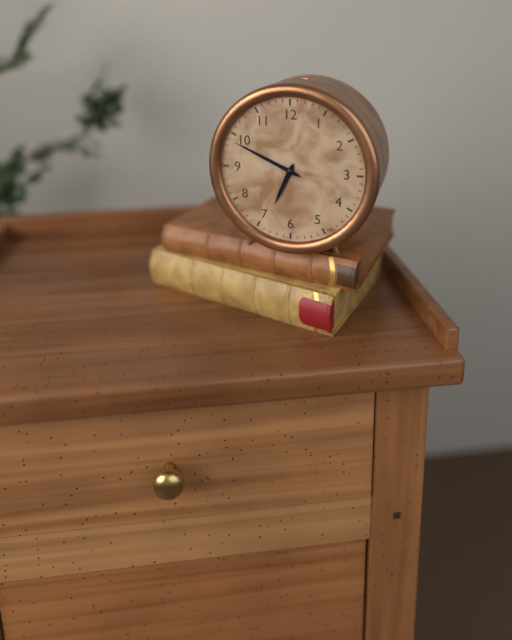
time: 6:49
